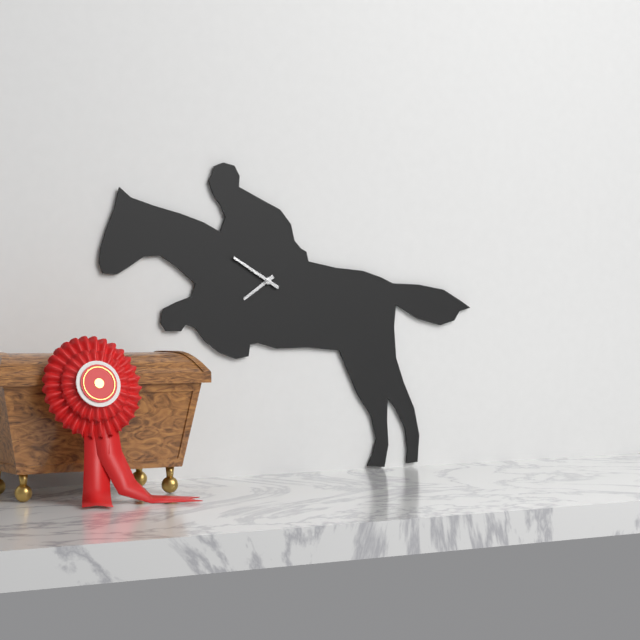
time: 7:50
